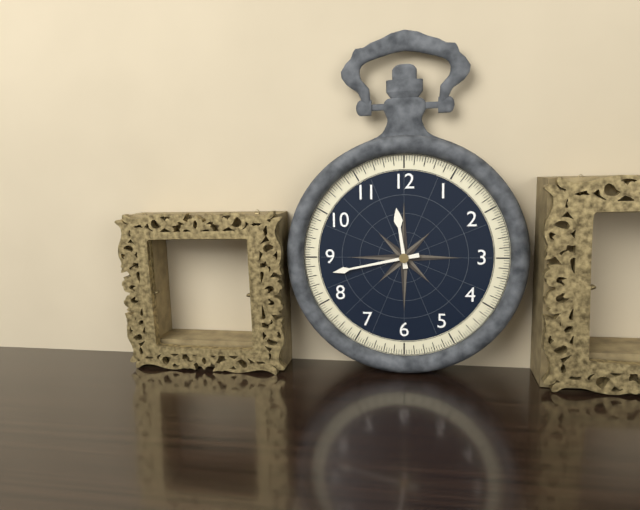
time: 11:43
